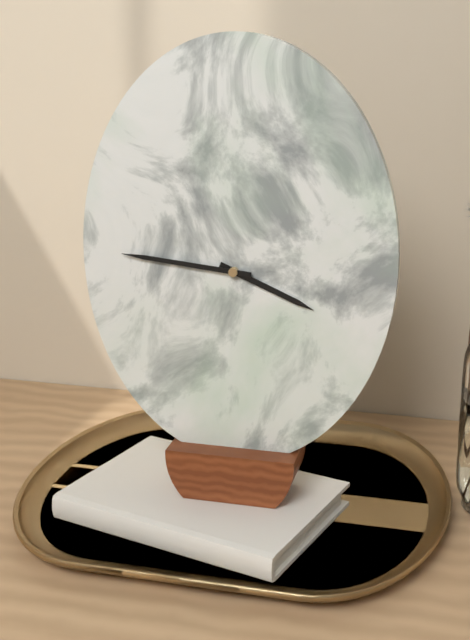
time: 3:46
